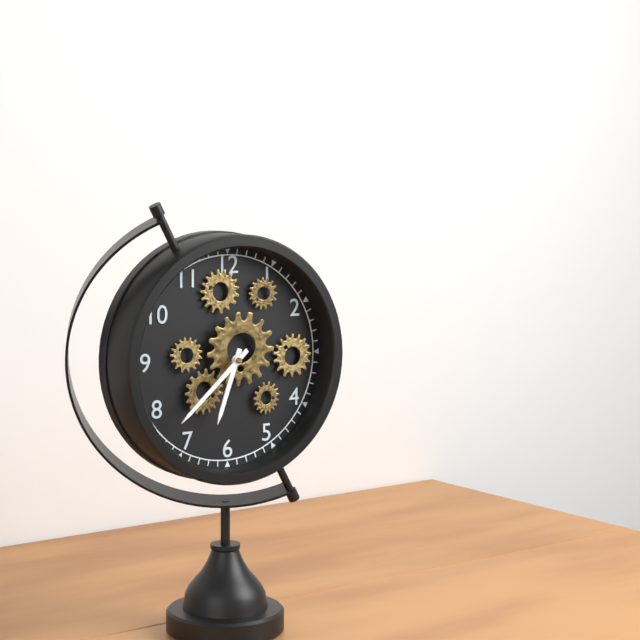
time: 6:38
